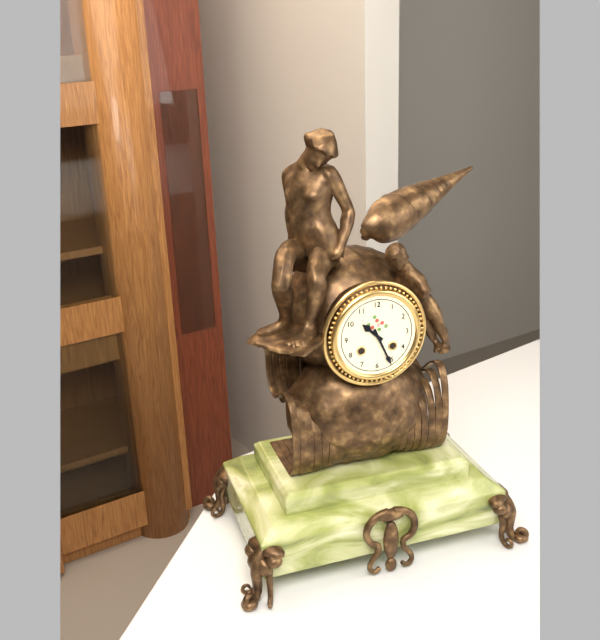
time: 10:26
